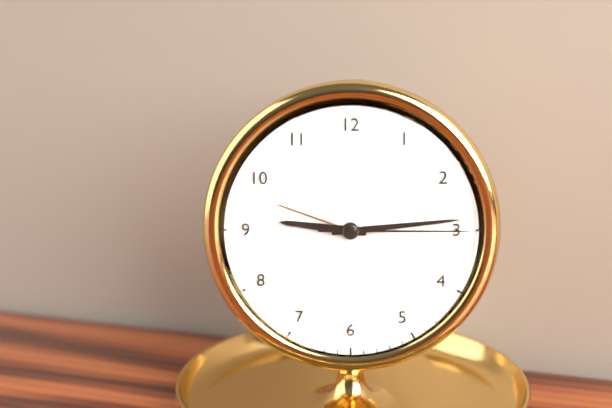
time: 9:14:15
